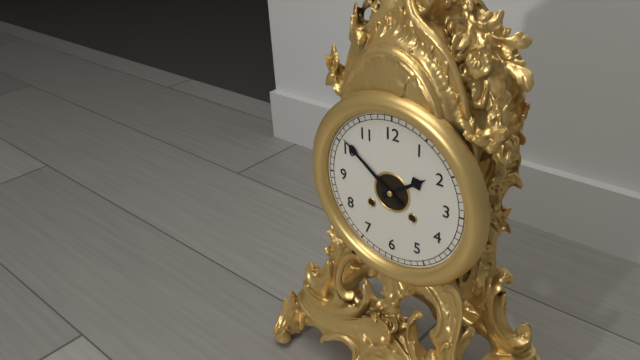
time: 1:51
